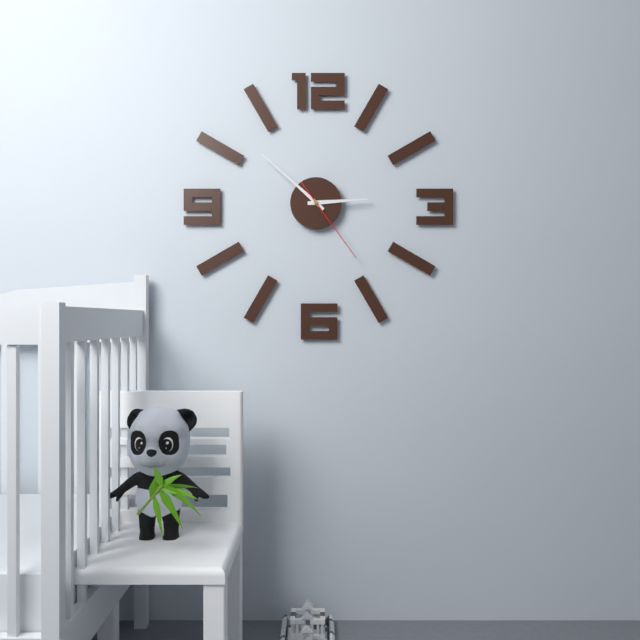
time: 2:52:24
